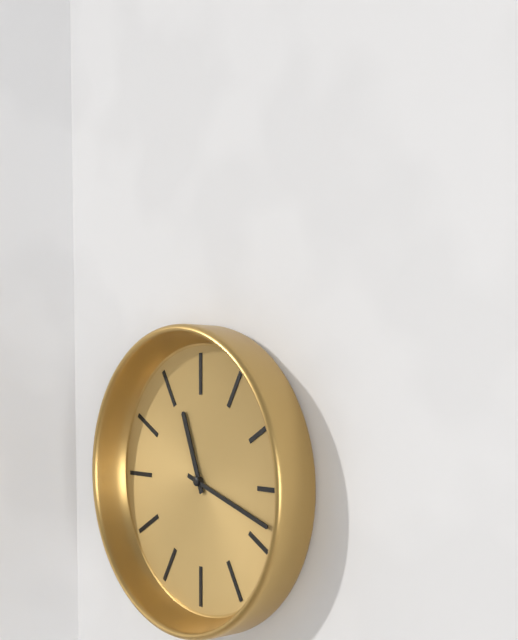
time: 11:18
